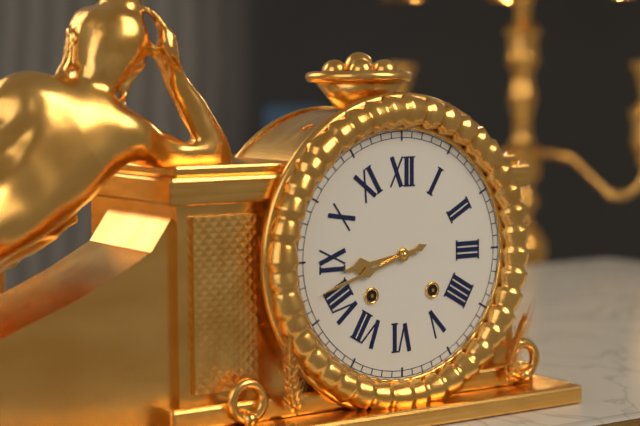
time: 8:42
